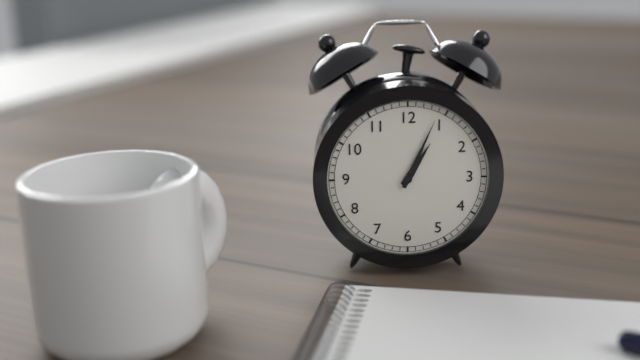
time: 1:04
